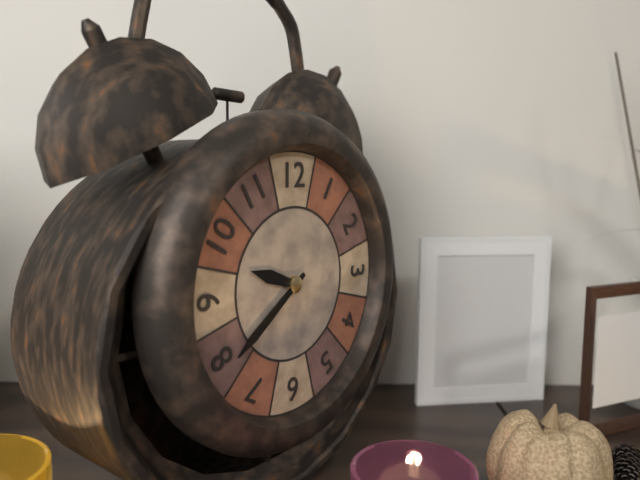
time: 9:39
